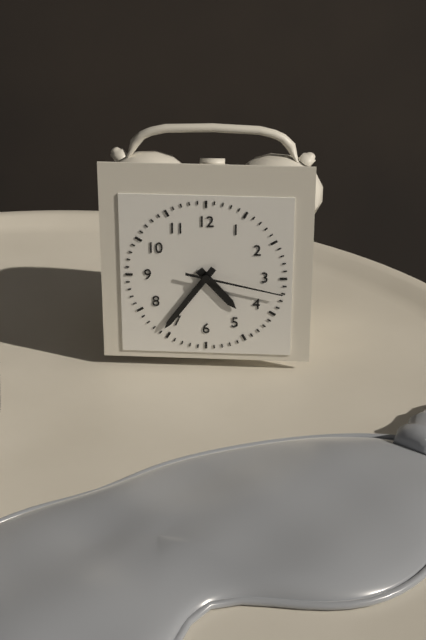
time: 4:36:17
